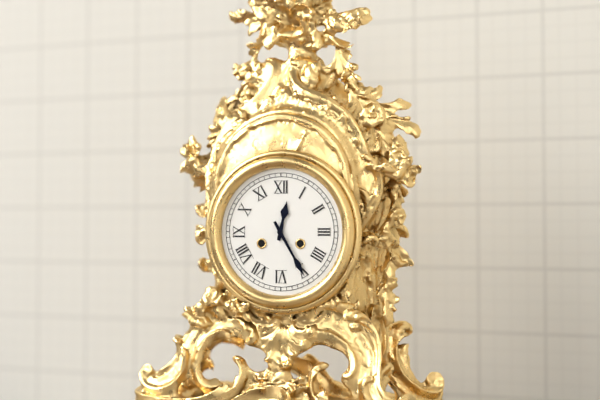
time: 12:25
